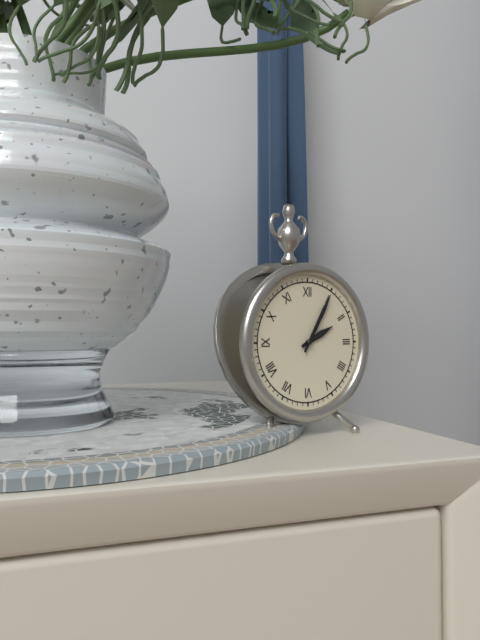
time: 2:05
